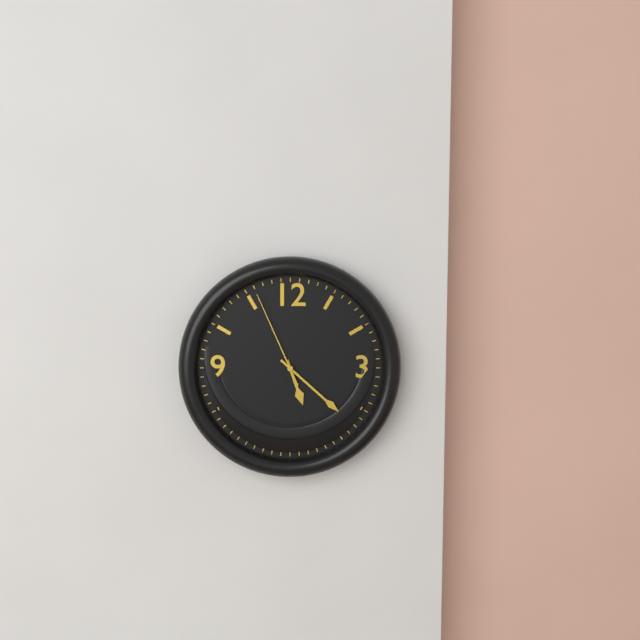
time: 5:22:56
